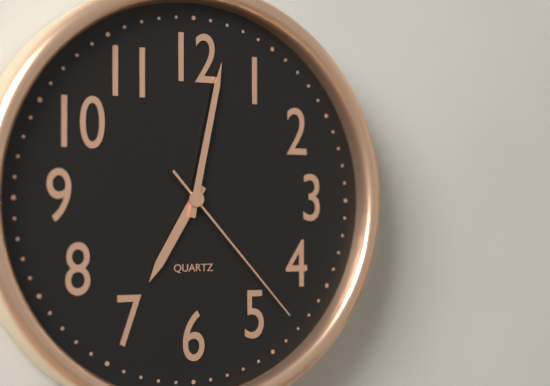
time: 7:02:23
